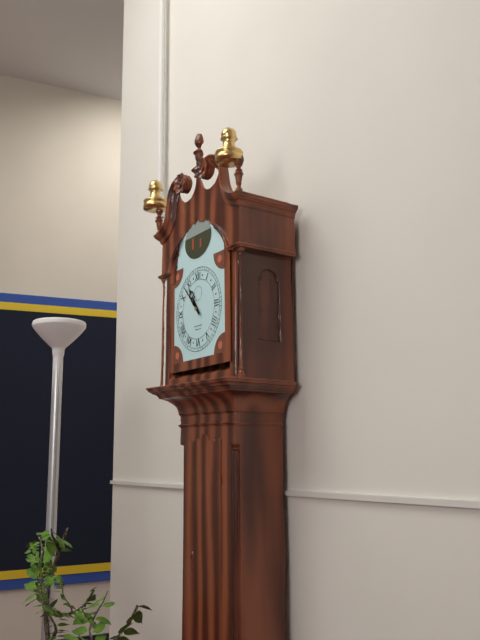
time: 10:53
